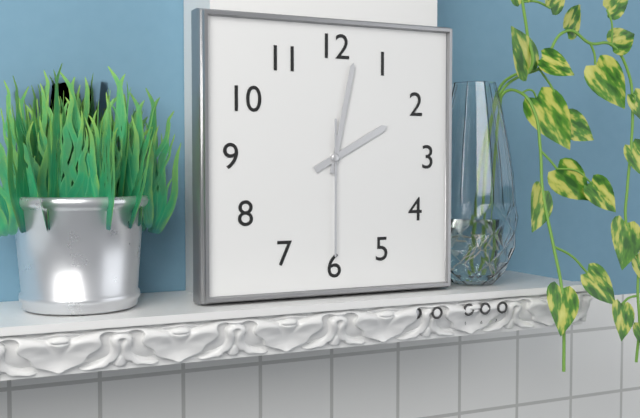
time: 2:02:30
